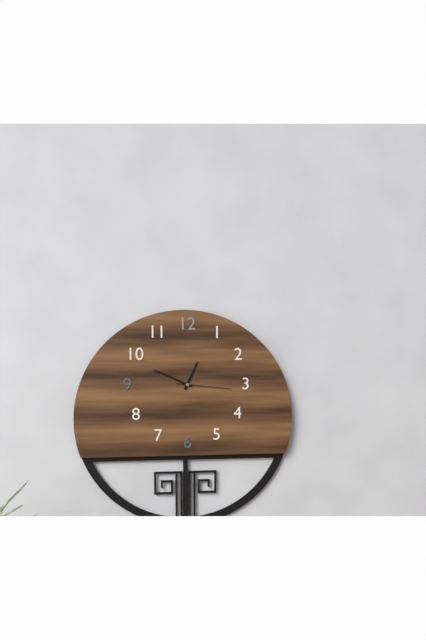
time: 12:49:16
